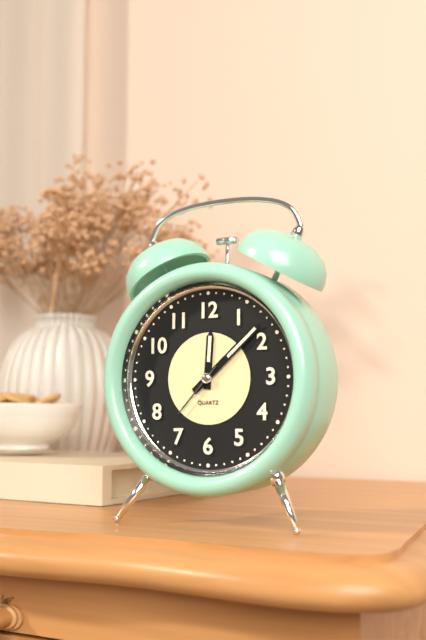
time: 12:08:37
